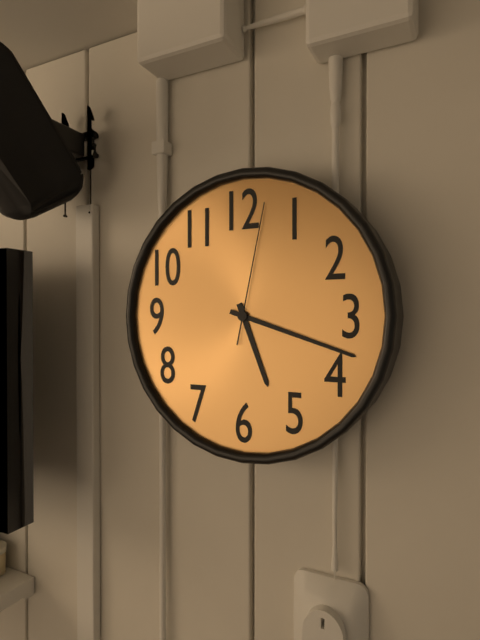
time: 5:18:02
